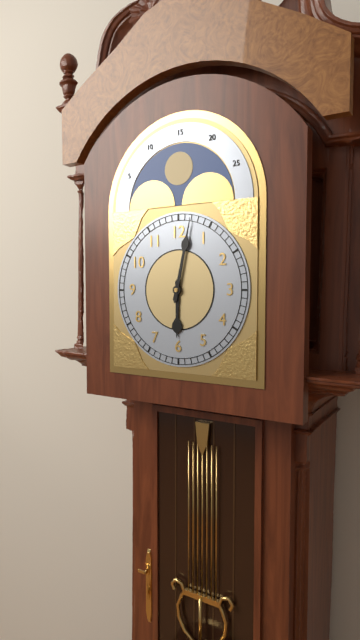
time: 6:02
